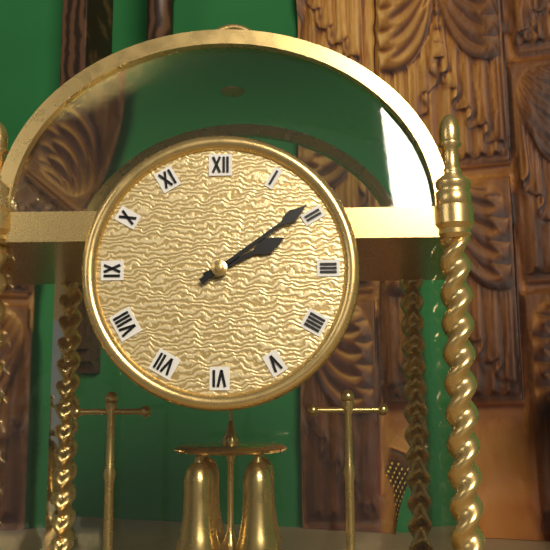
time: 2:09
